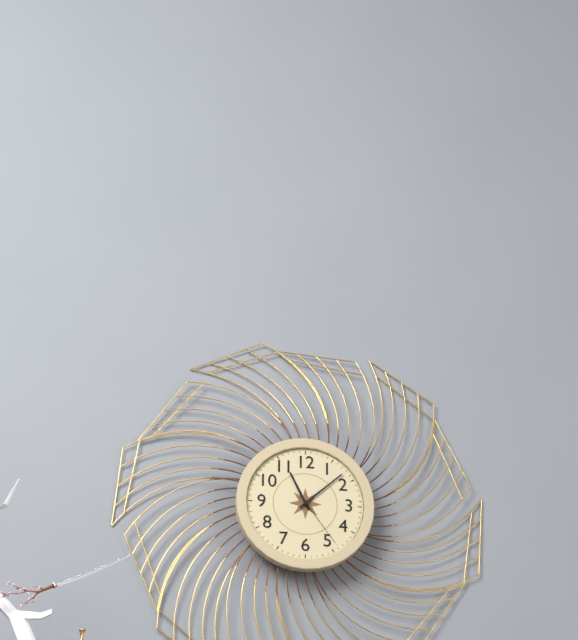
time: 11:08:24
